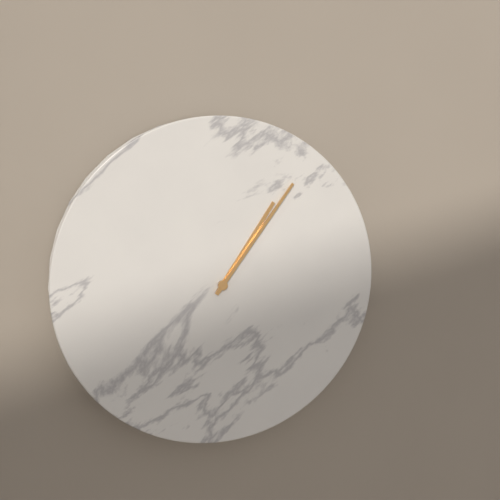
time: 1:06
